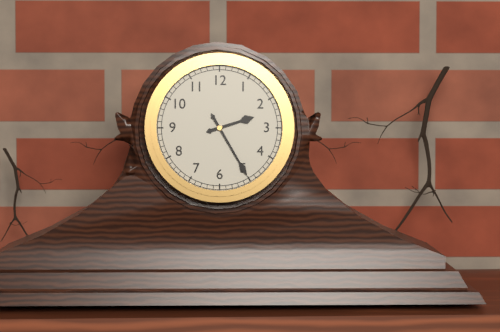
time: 2:25
